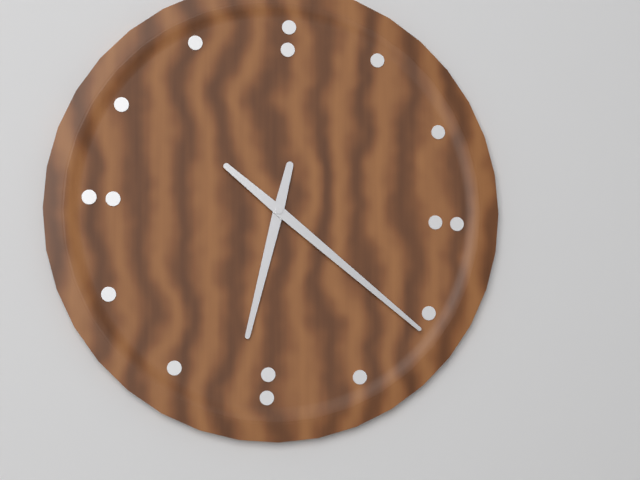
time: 6:21
